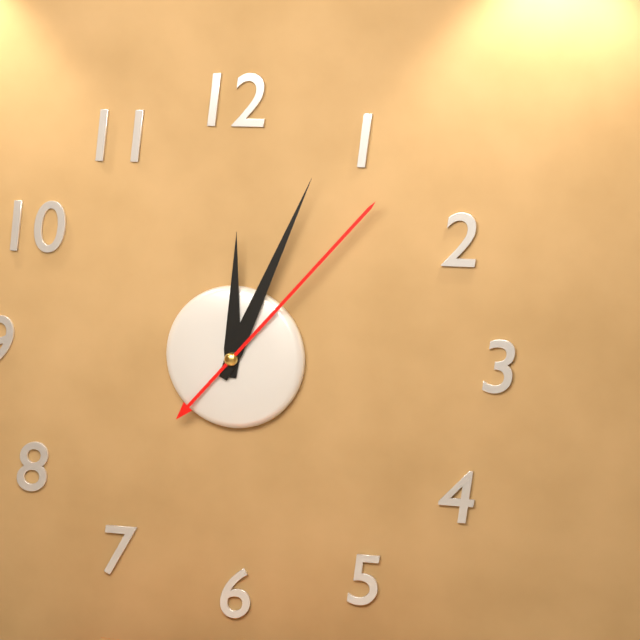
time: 12:04:07
